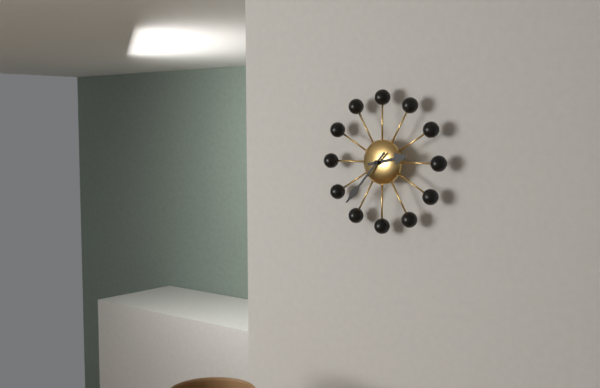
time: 2:37
